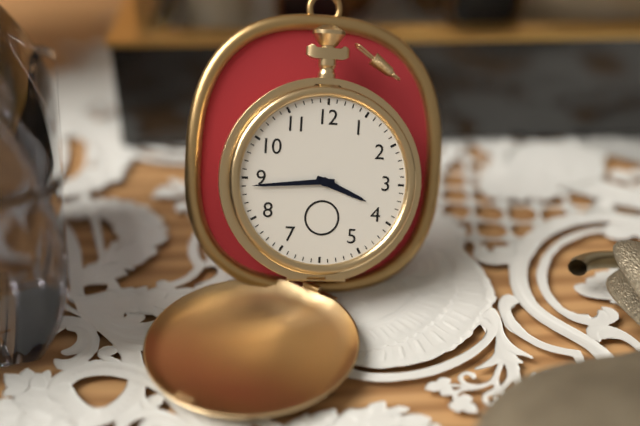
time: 3:44
